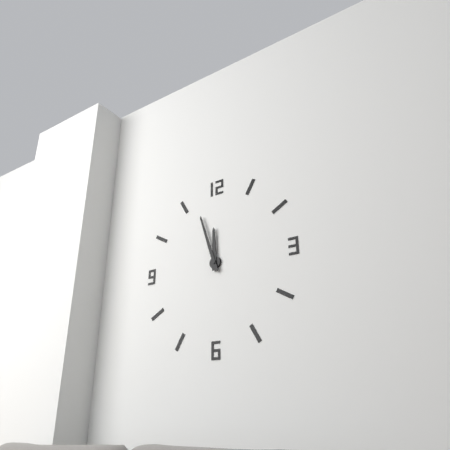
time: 11:57
